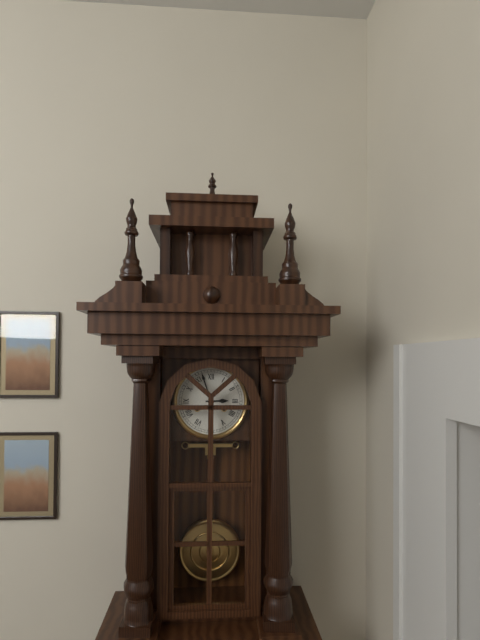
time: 2:57
